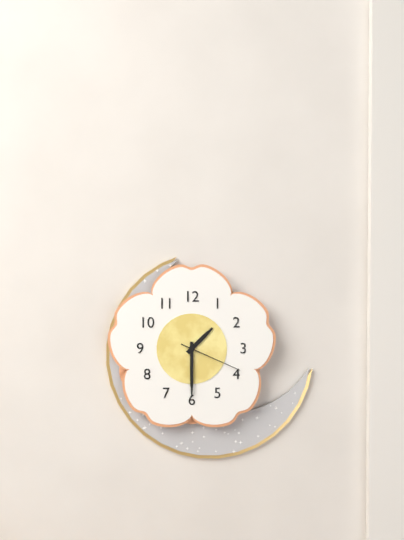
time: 1:30:19
